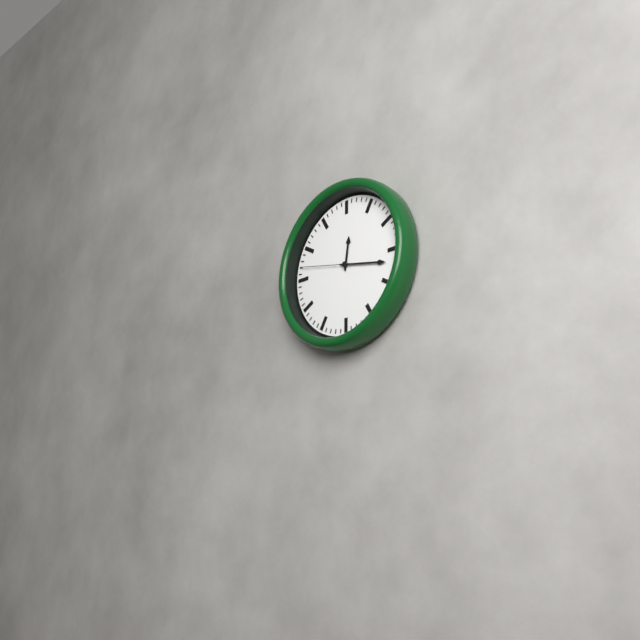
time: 12:17:47
